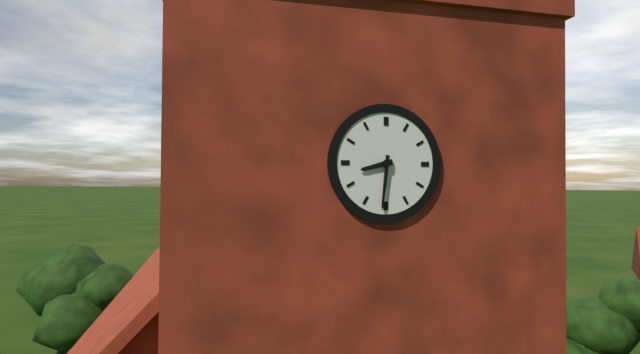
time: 8:31
